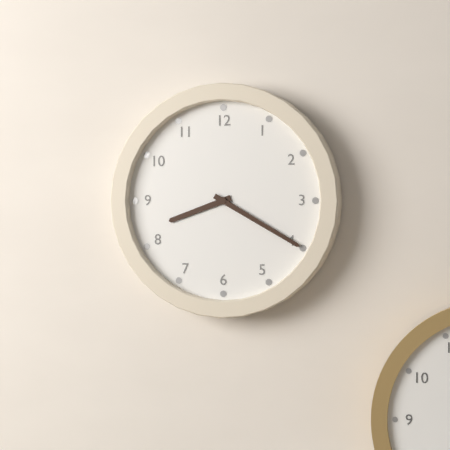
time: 8:20
